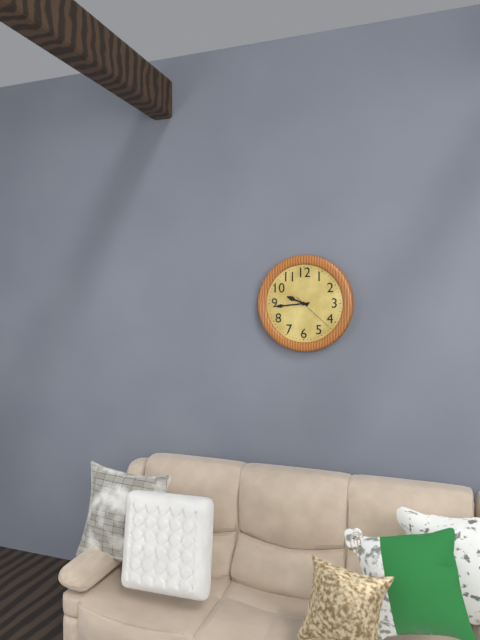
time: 9:44
